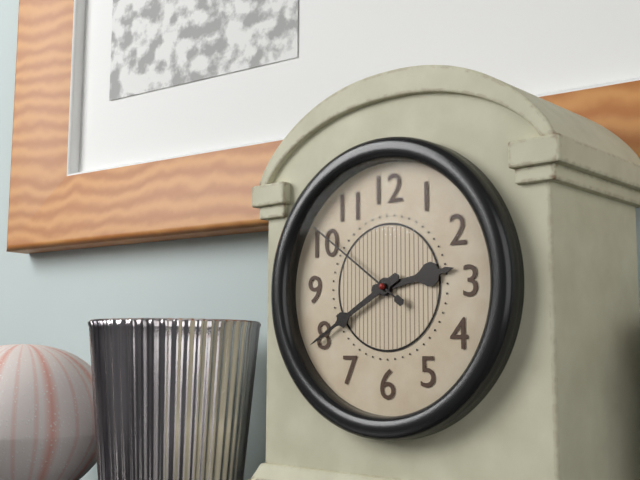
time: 2:40:51
